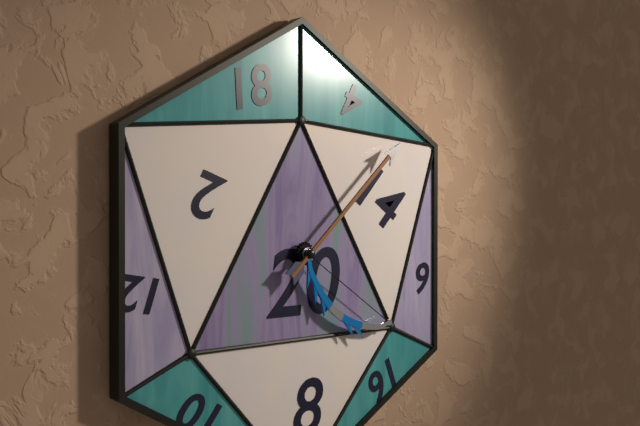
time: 4:08
